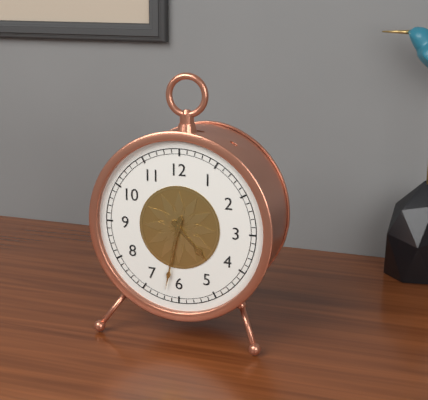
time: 4:32
